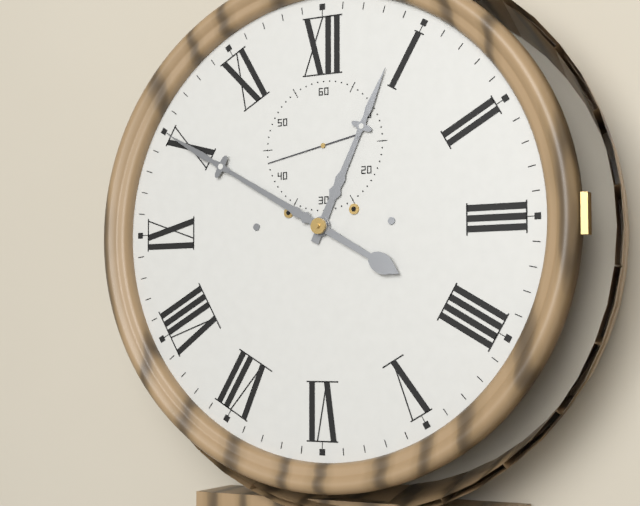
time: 12:50:43
